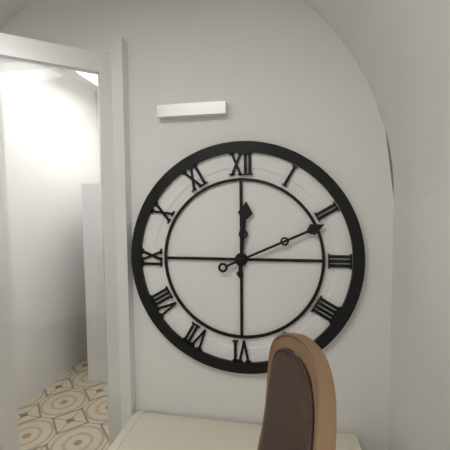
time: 12:11
